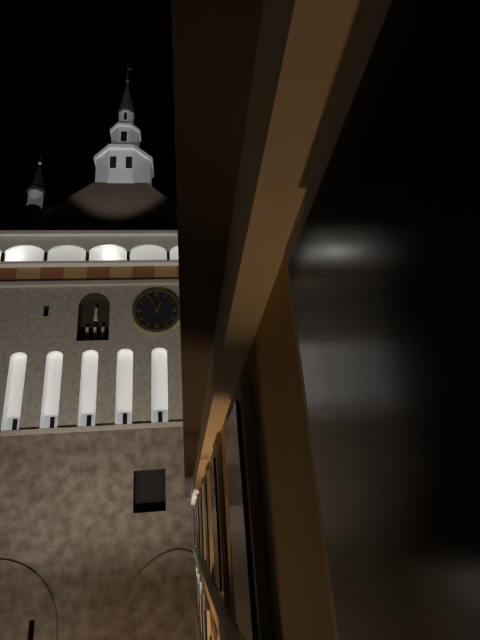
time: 12:56
